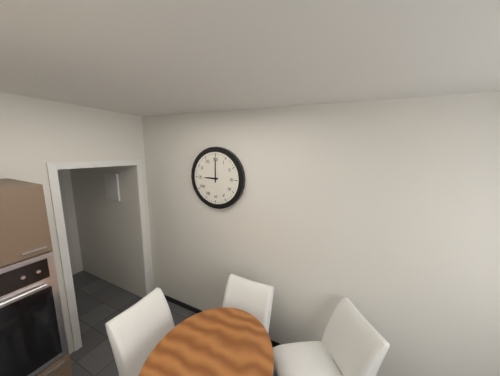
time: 9:00
